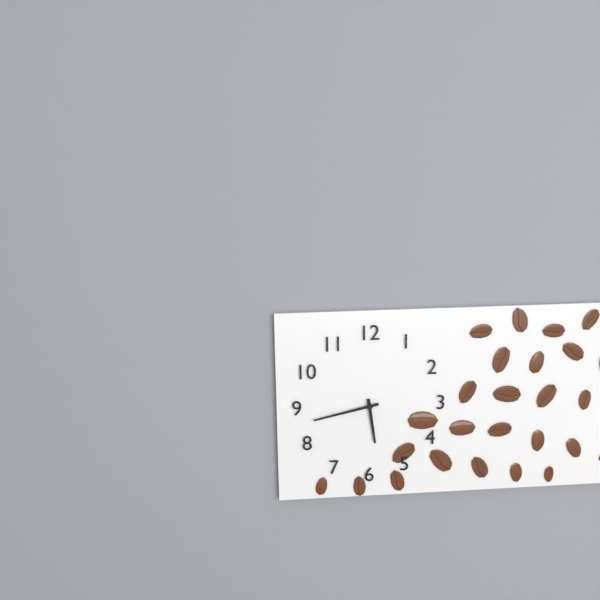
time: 5:43
